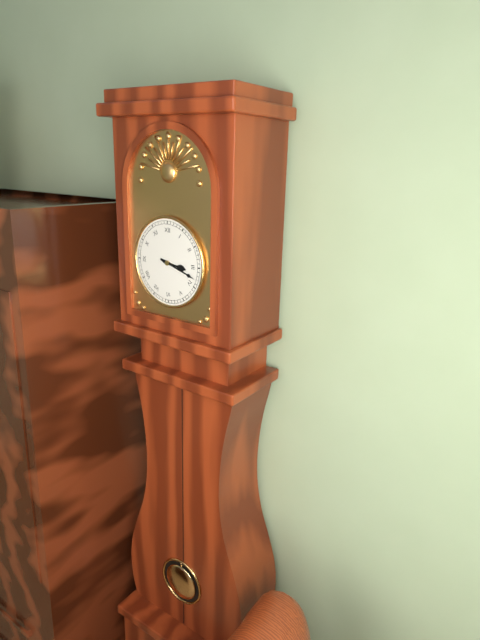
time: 3:18
